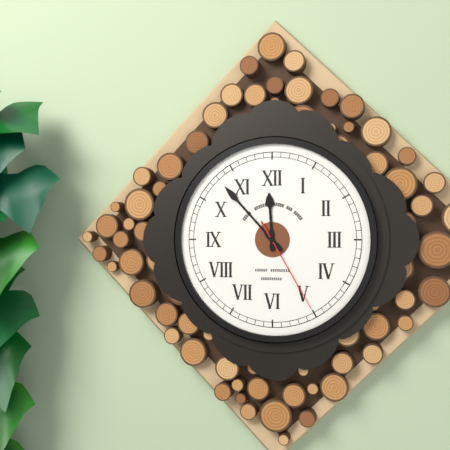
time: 11:53:25
